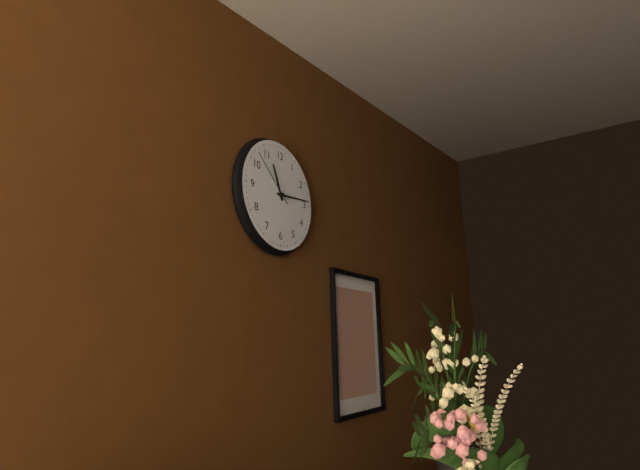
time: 11:14:52
